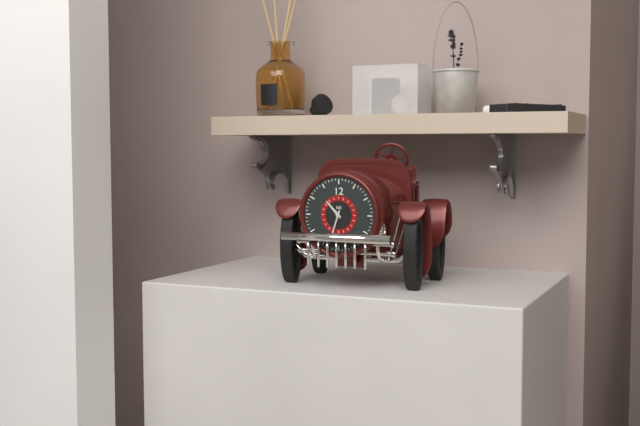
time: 10:33
